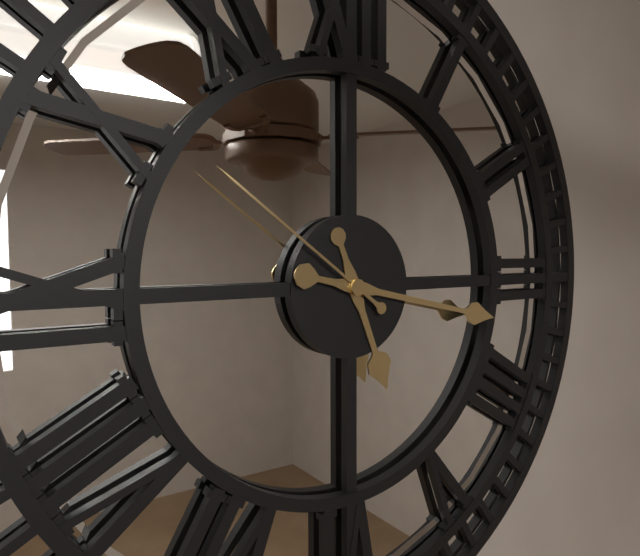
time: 5:17:51
